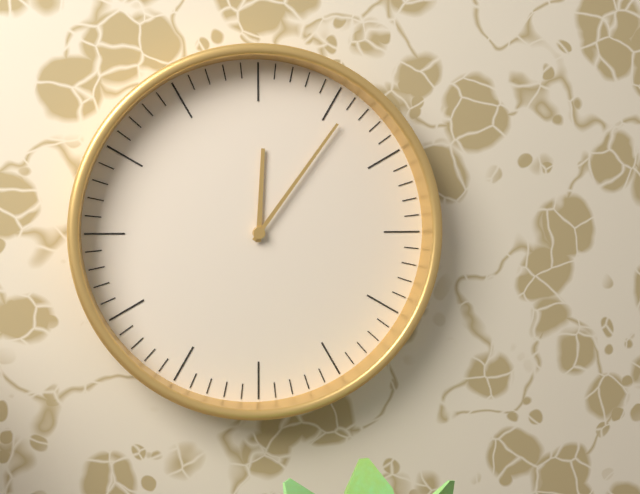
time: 12:06
